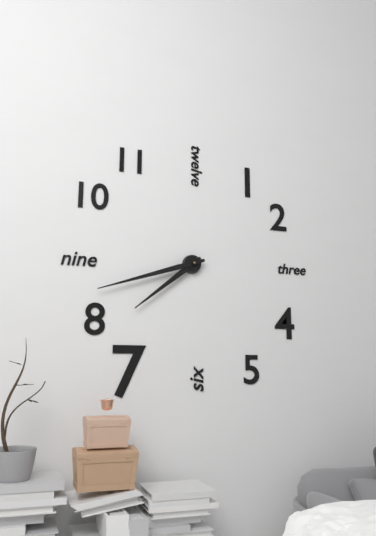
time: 7:42
